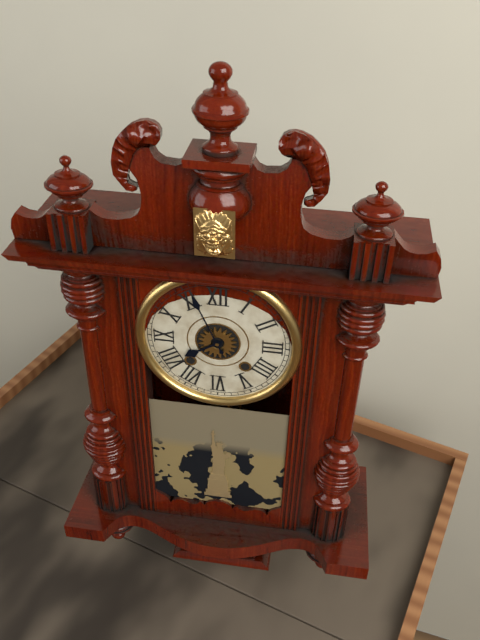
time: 7:56
